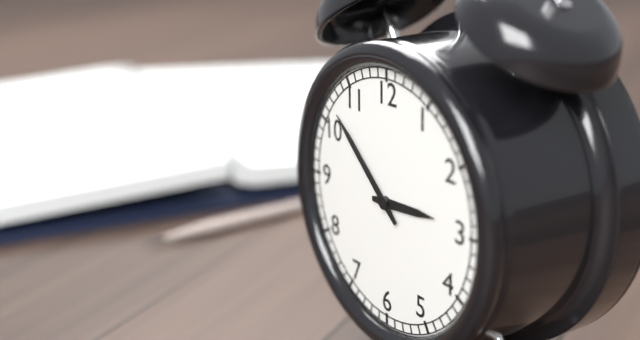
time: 2:52
